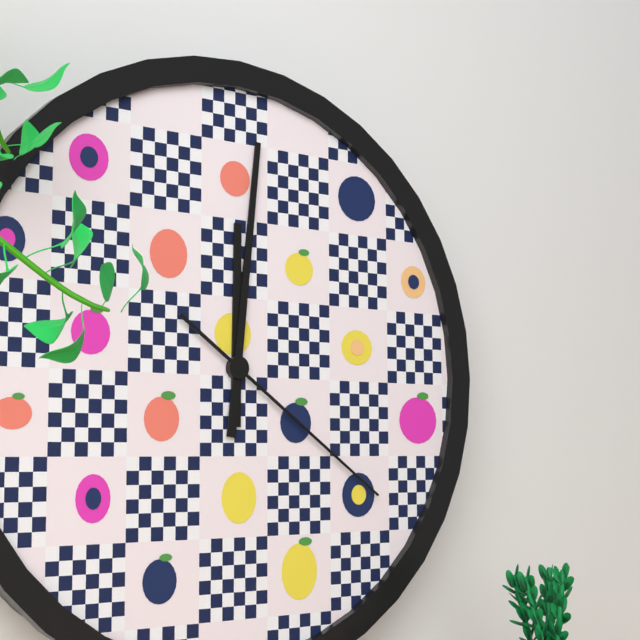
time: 12:01:21
